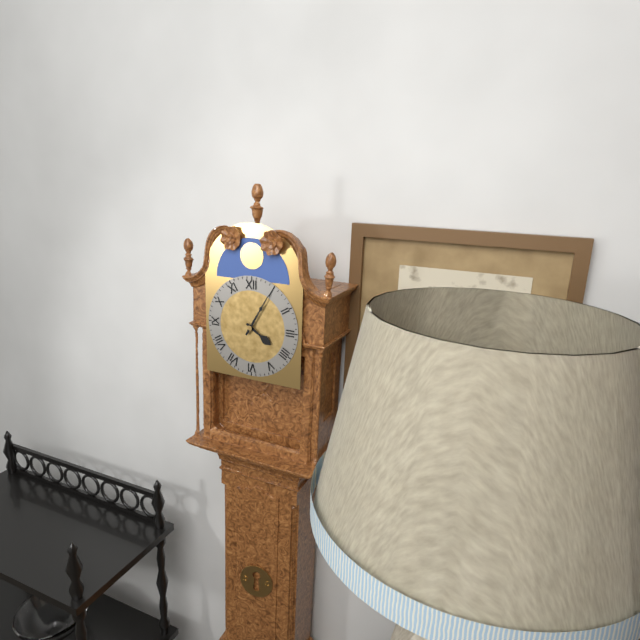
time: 4:05
